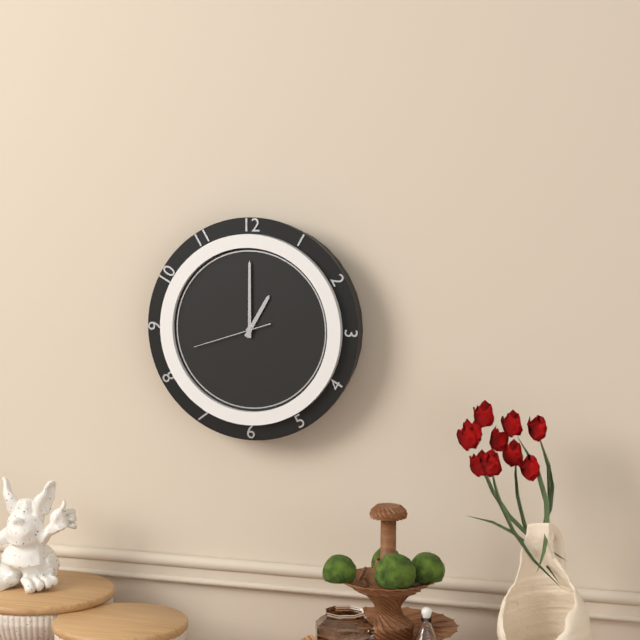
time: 1:00:42
